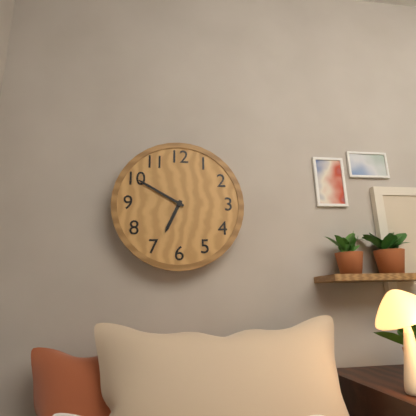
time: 6:50
